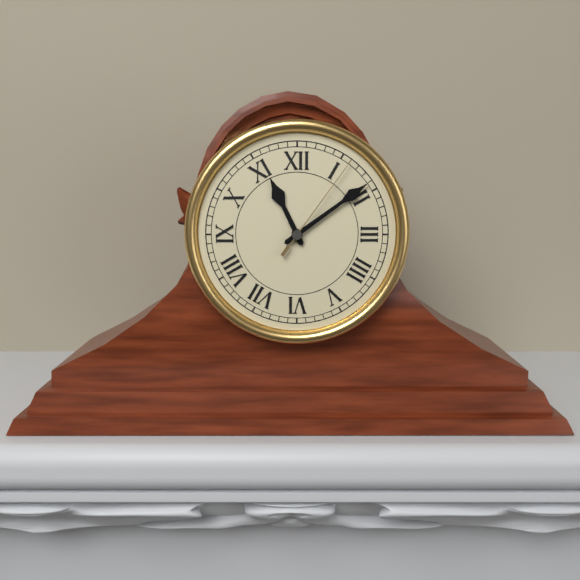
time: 11:09:06
